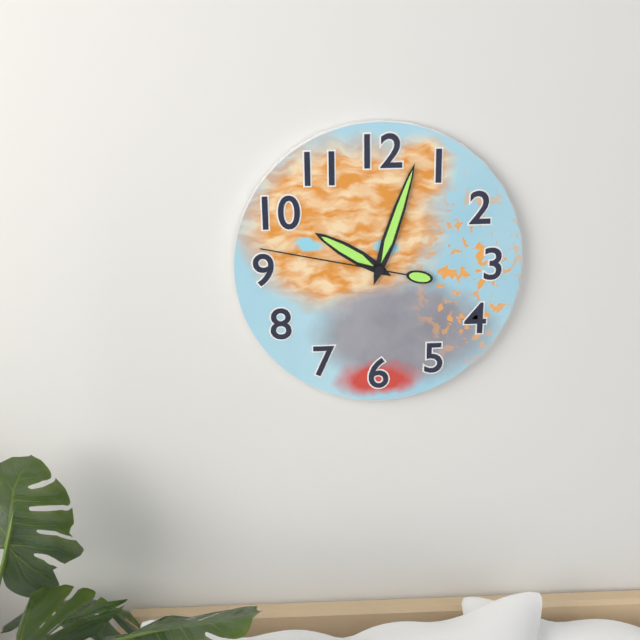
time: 10:03:47
